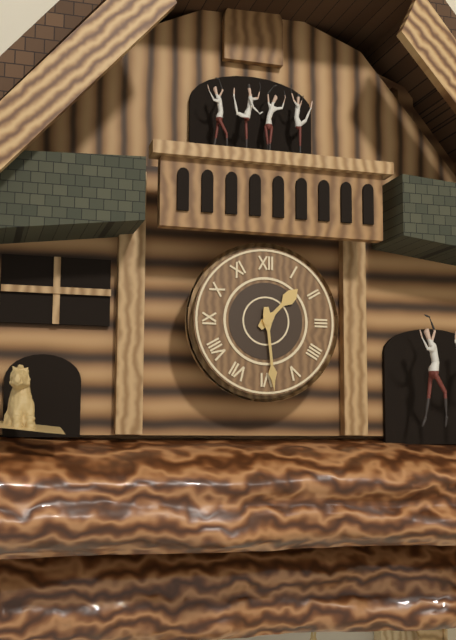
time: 1:29
